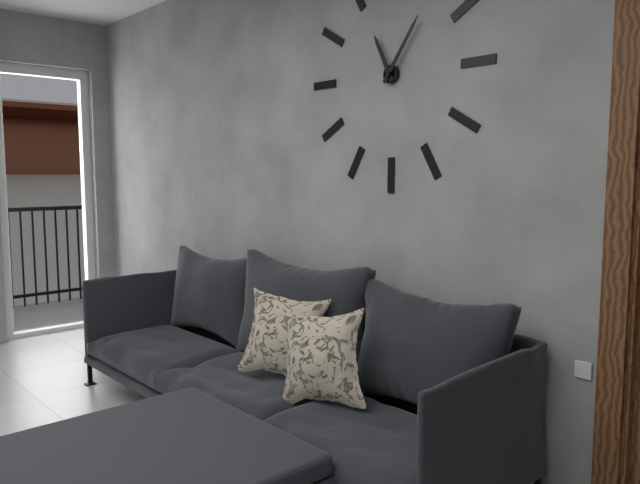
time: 11:06
